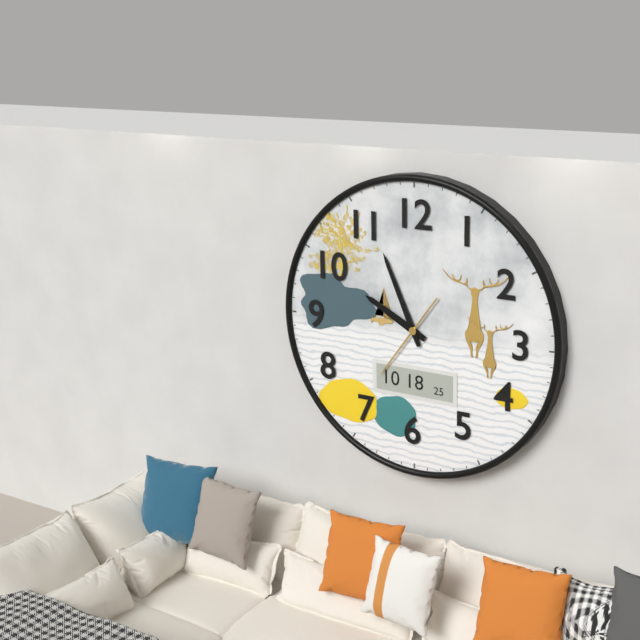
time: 9:56:36
